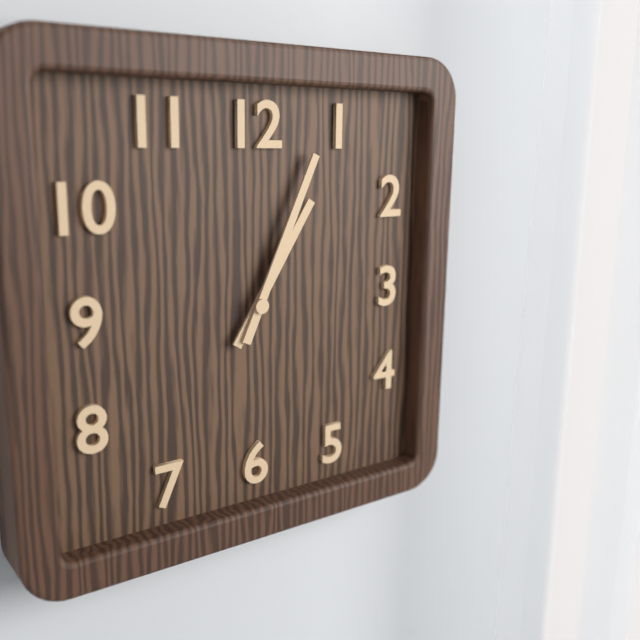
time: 1:04
